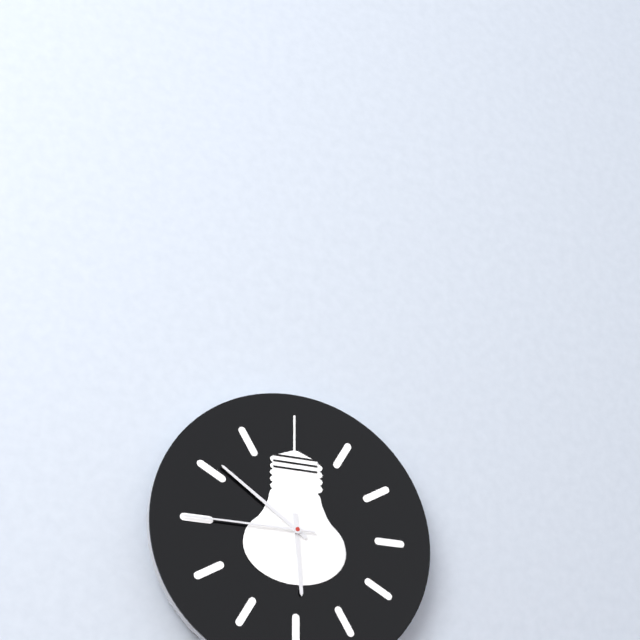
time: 5:51:45
